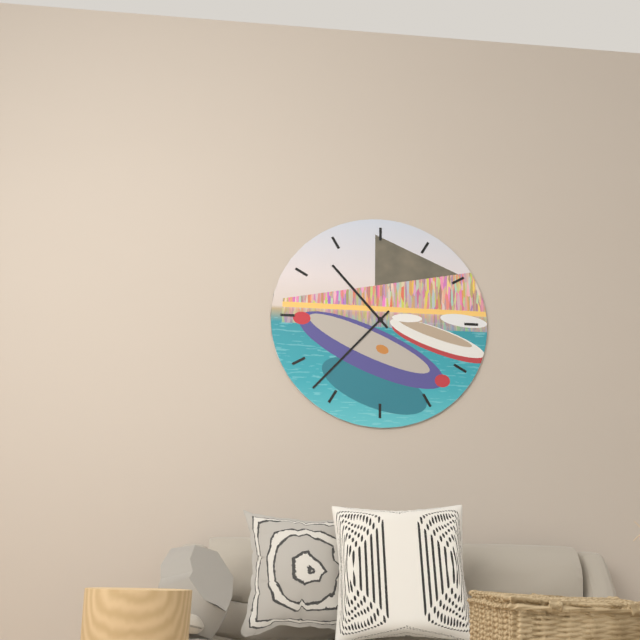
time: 10:37
